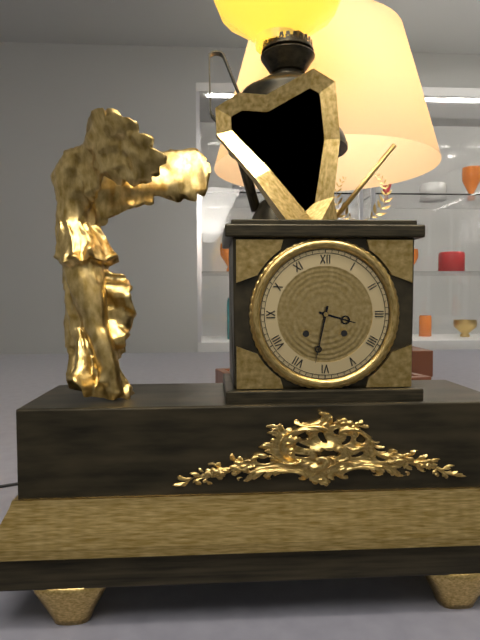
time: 3:32
